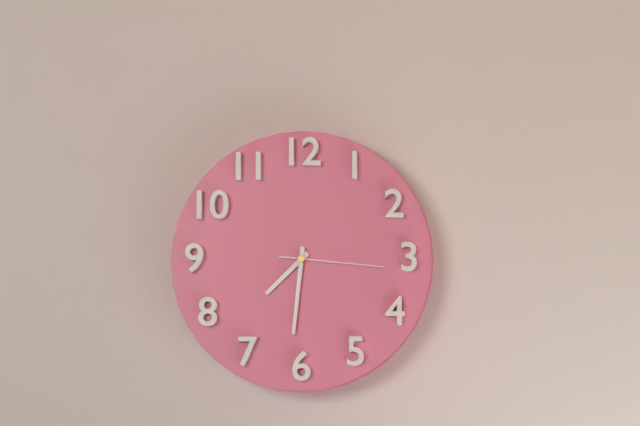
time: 7:31:16
